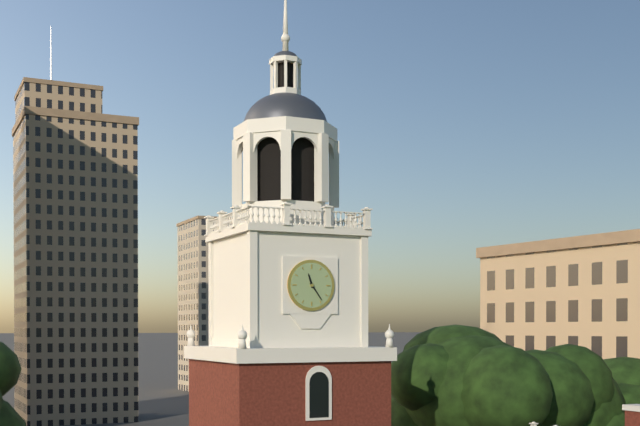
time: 11:24
